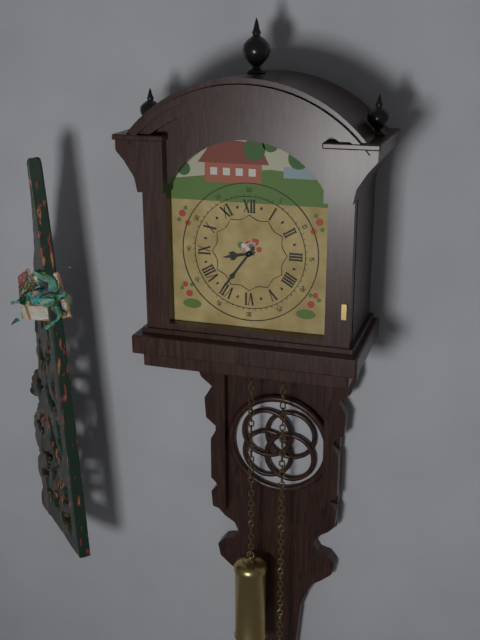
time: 8:36
